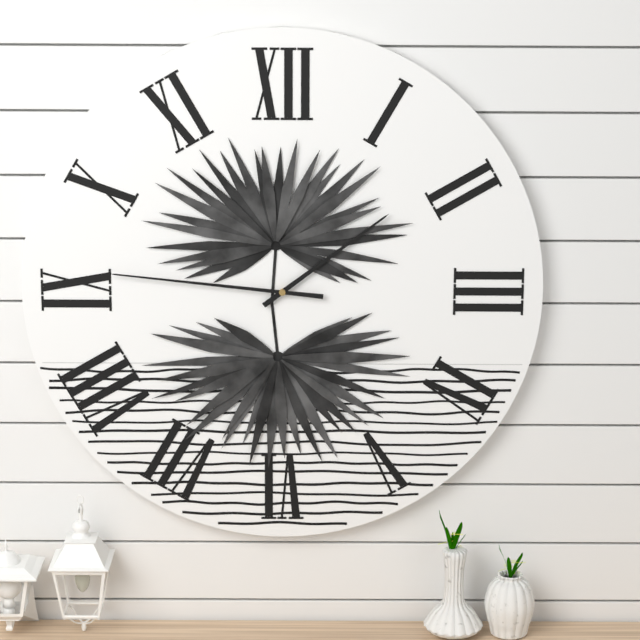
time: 1:46
